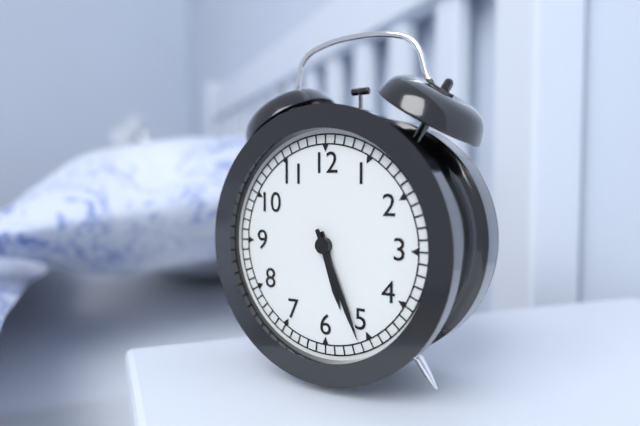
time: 5:26
